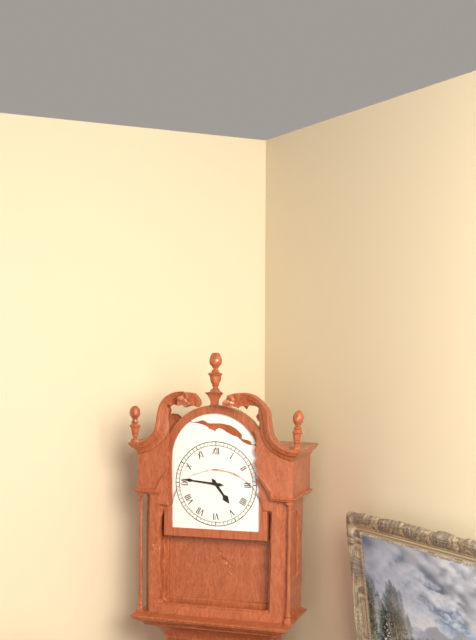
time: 4:46
